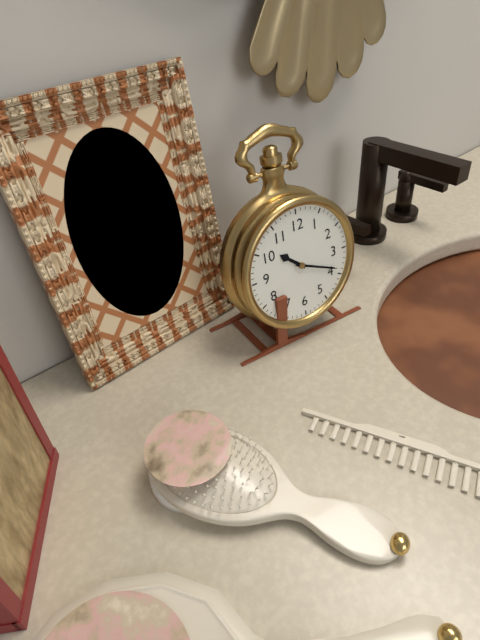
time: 10:19
